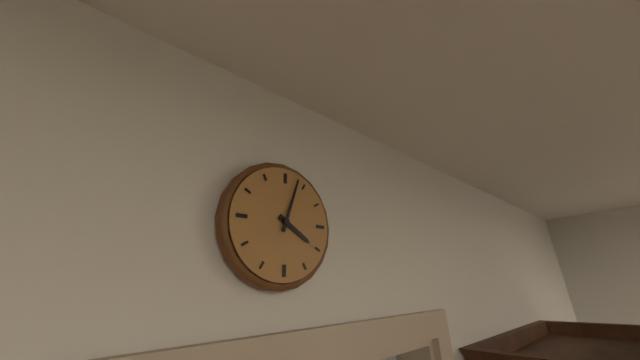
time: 4:03
